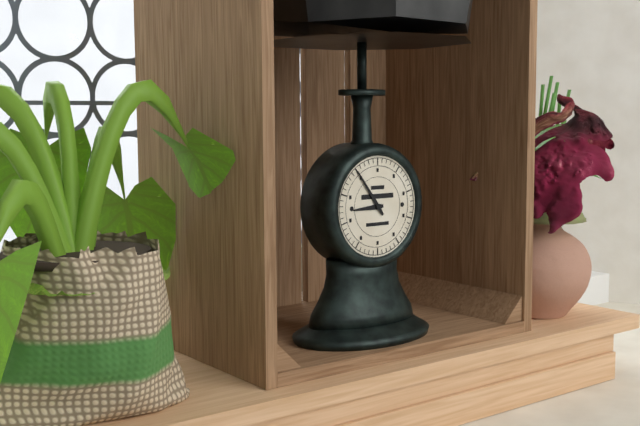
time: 8:54
